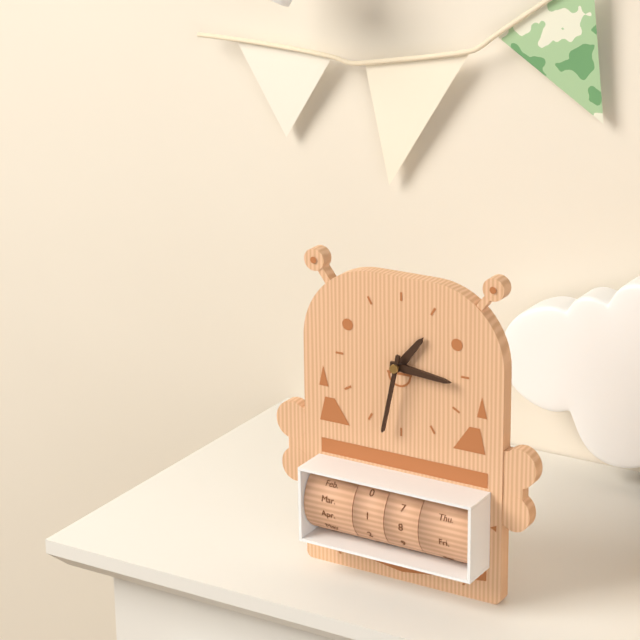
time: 1:16:32
